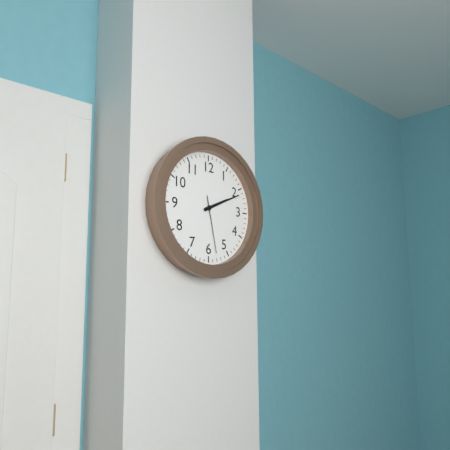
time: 2:11:28
